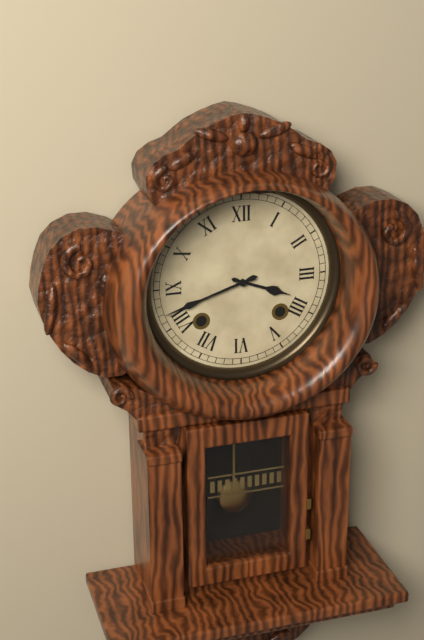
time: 3:42
